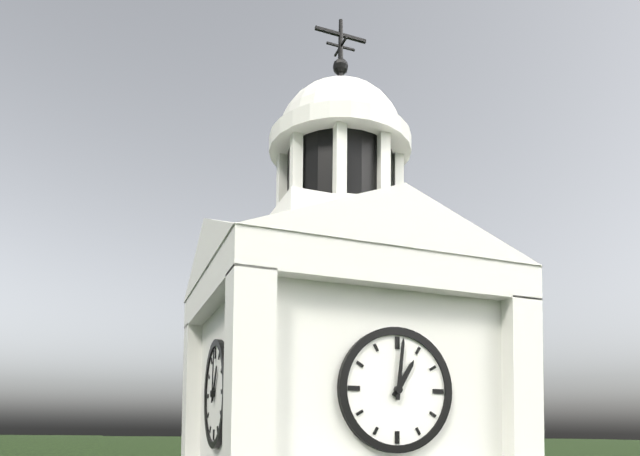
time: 1:01
